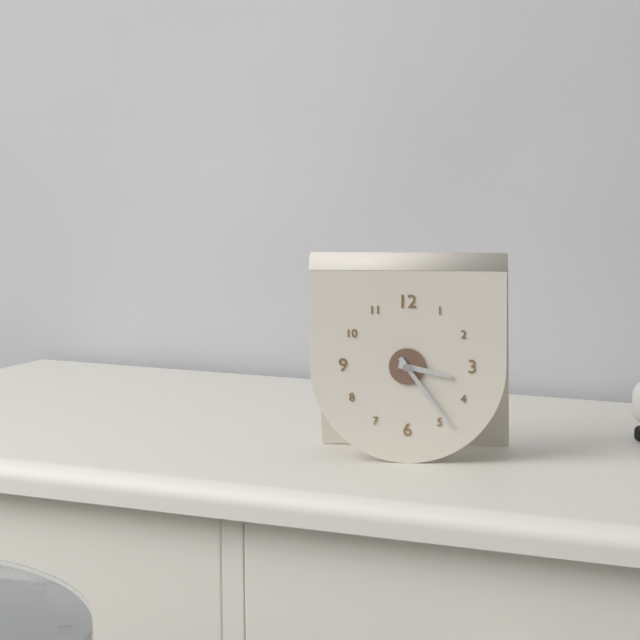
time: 3:24
